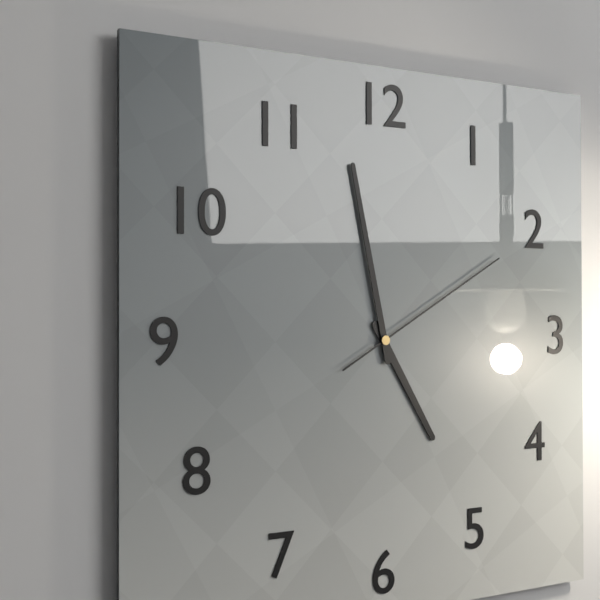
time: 4:58:10
